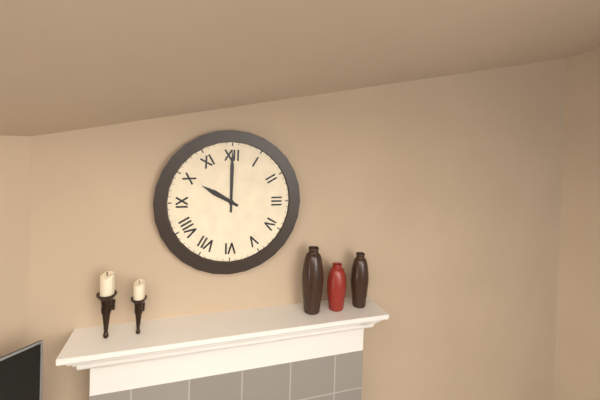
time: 10:00
